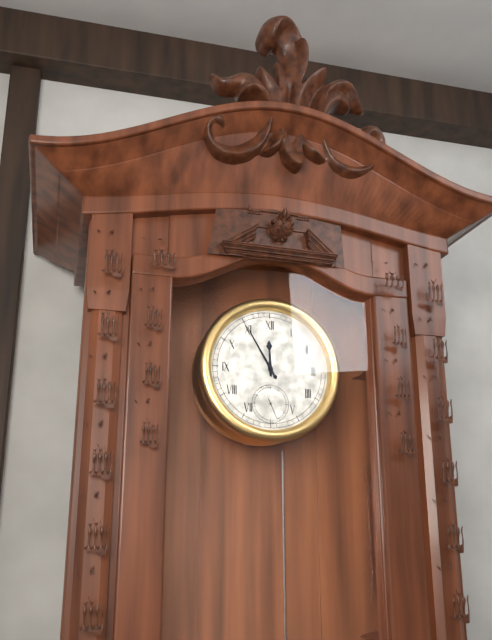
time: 11:55
